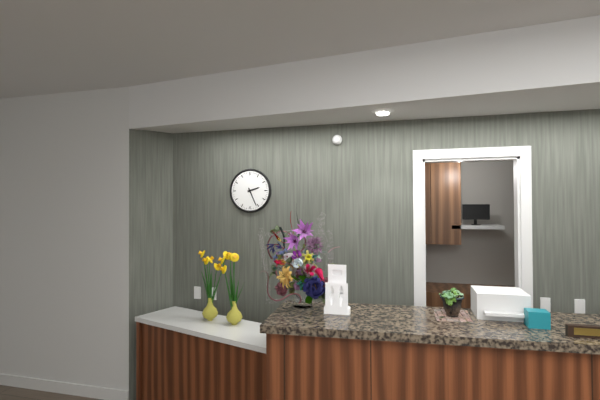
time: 2:26
